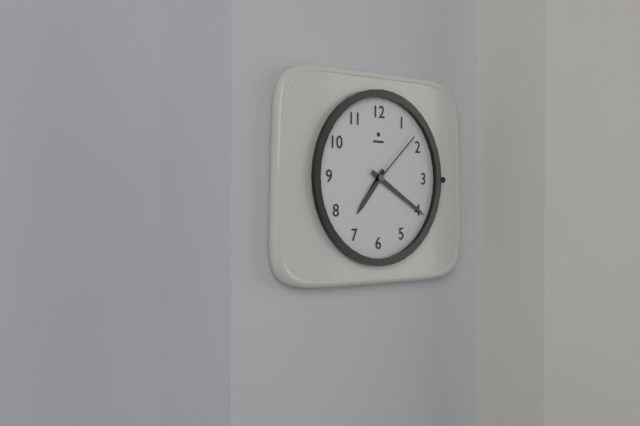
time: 7:20:08
